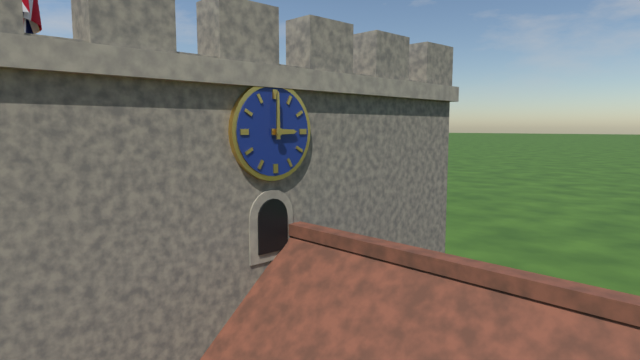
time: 3:00
